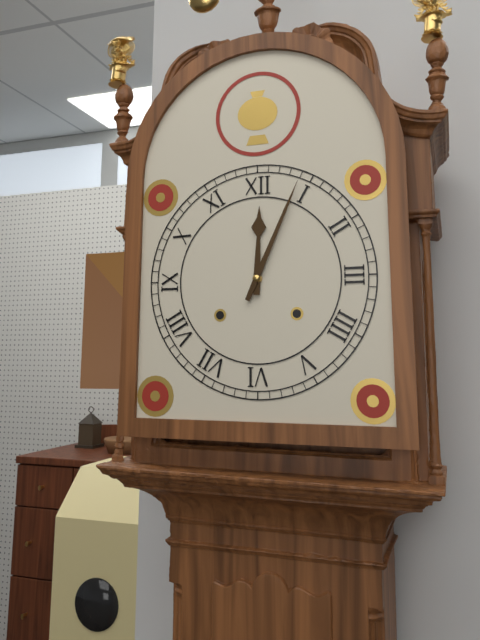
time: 12:04
